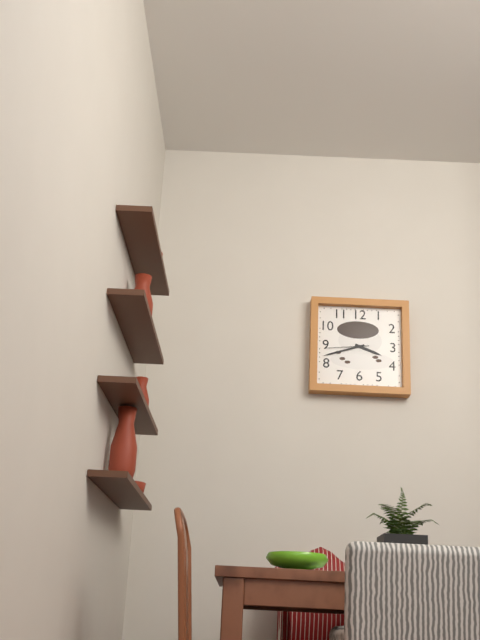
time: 3:42
